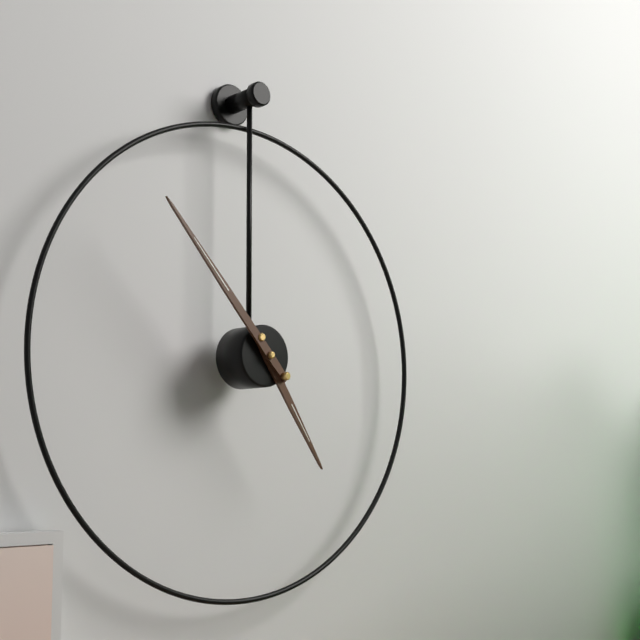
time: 4:53
